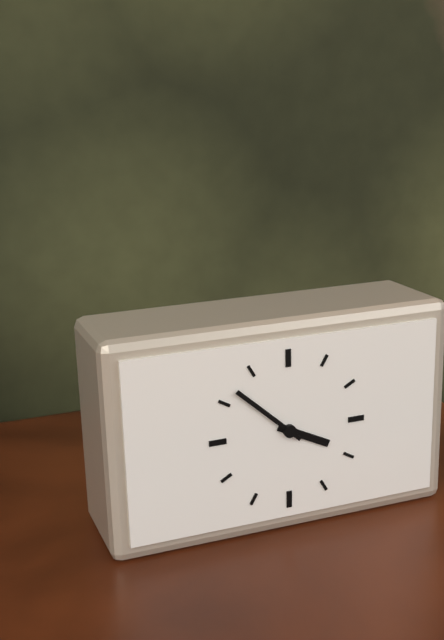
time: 3:52
